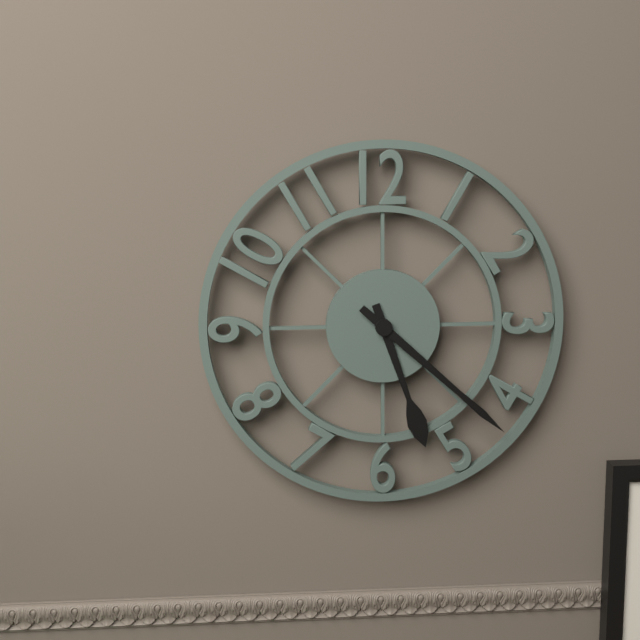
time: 5:22
